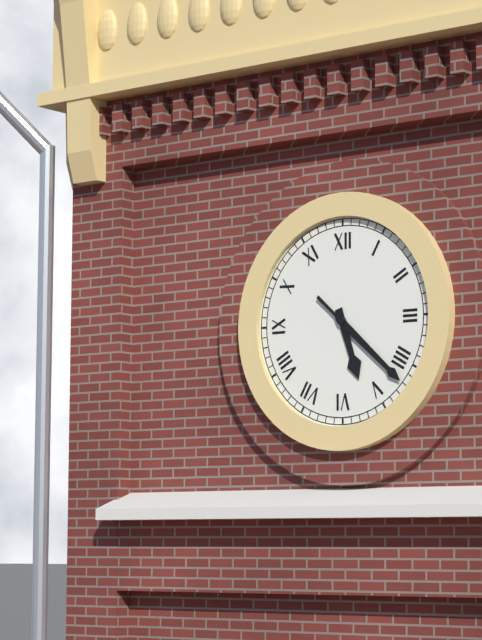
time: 5:22
